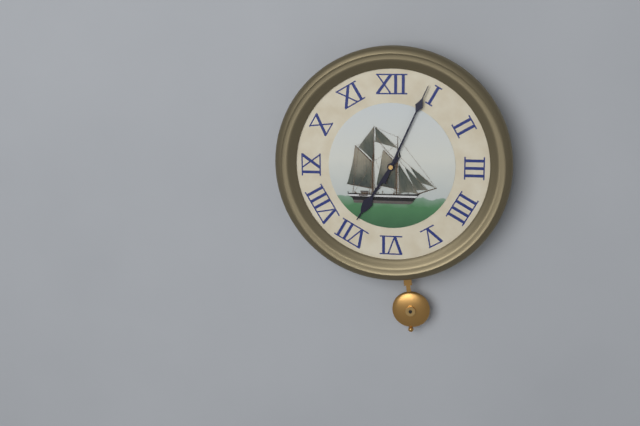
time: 7:04
